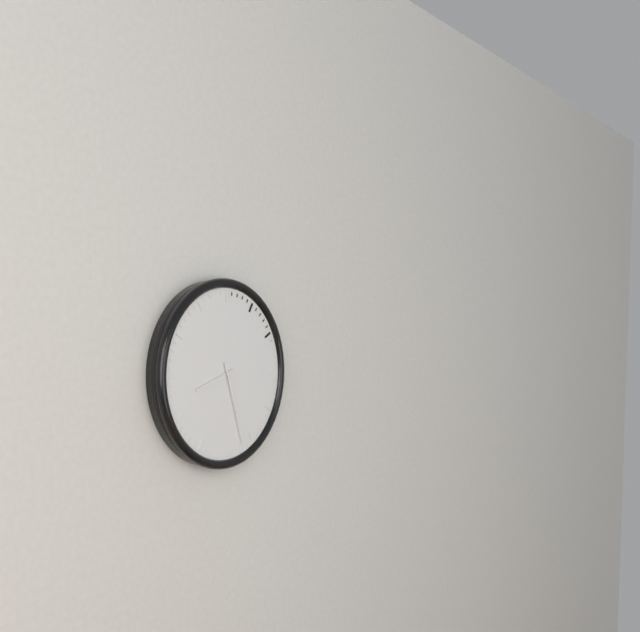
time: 8:27
